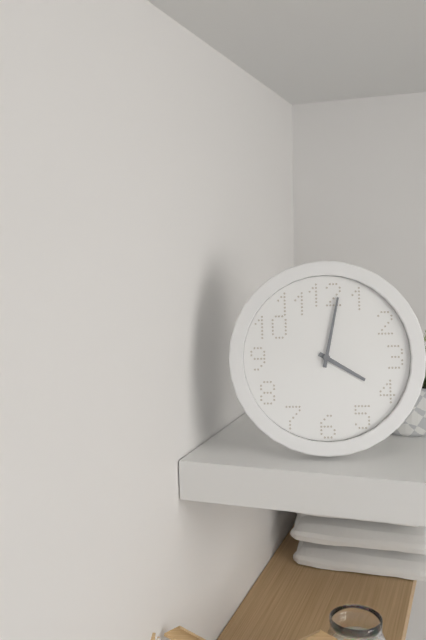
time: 4:02
